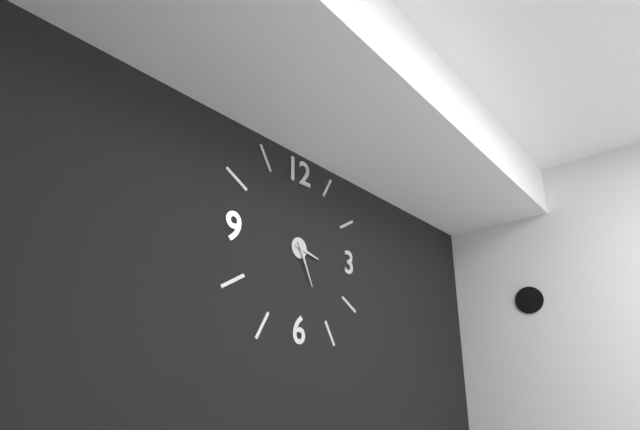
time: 3:26
